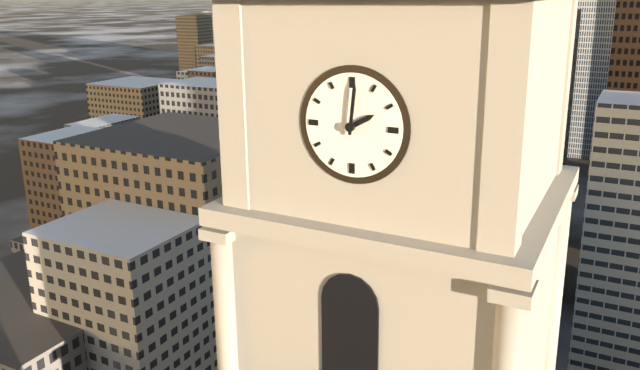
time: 2:01
